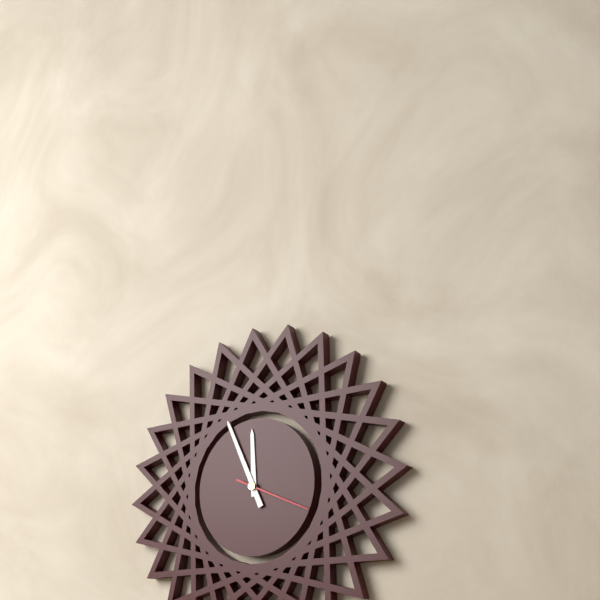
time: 11:56:19
